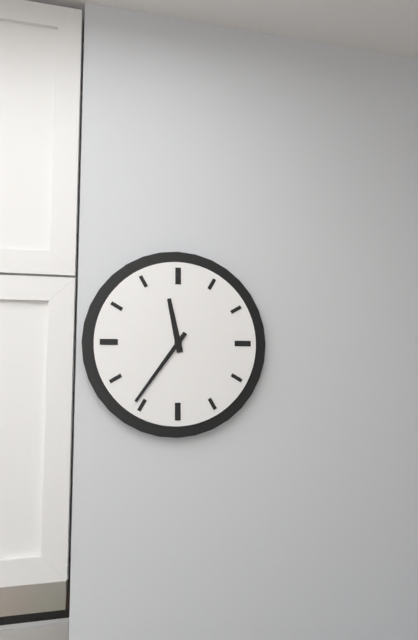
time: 11:36
